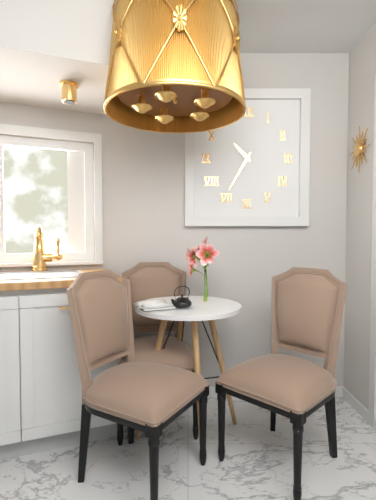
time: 10:35
